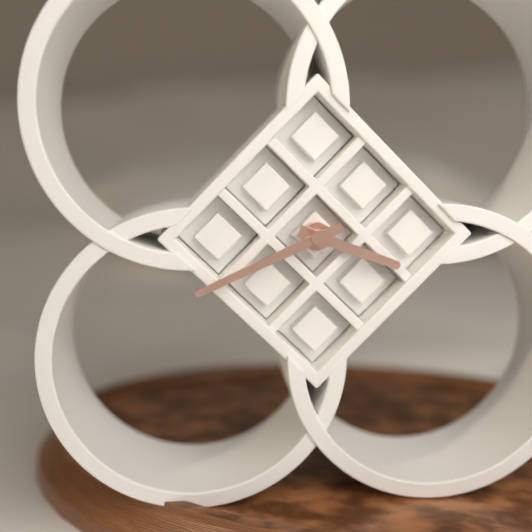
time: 3:41
